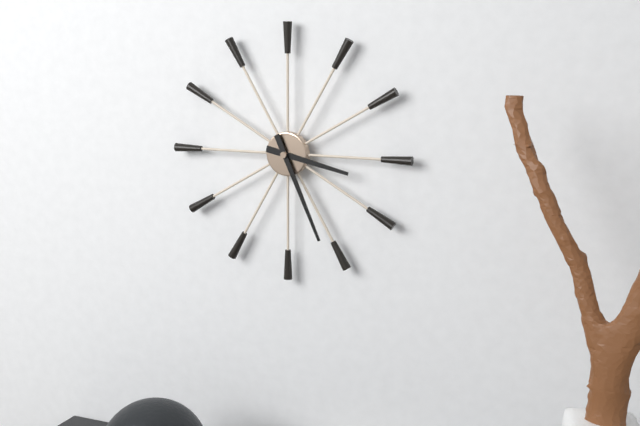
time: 3:26
